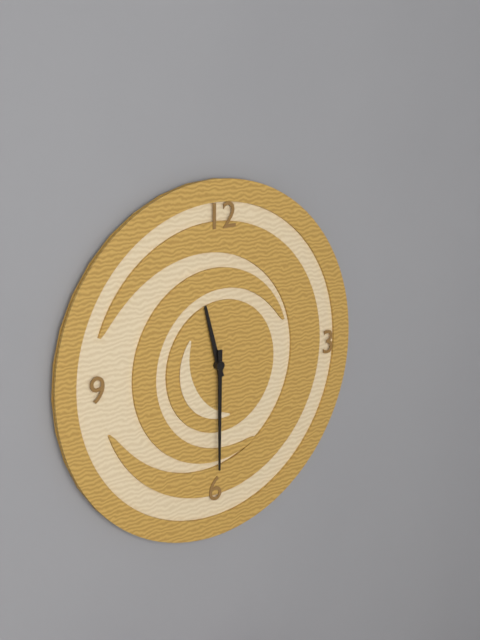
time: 11:30
